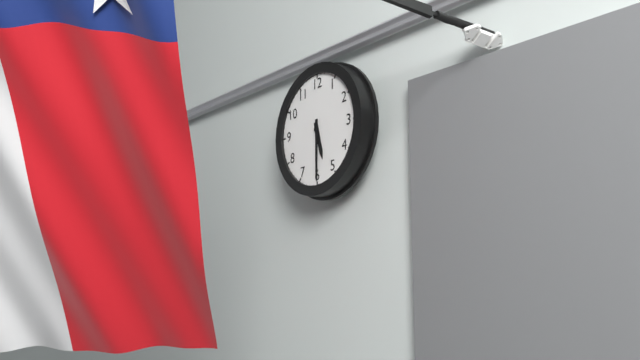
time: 5:30
